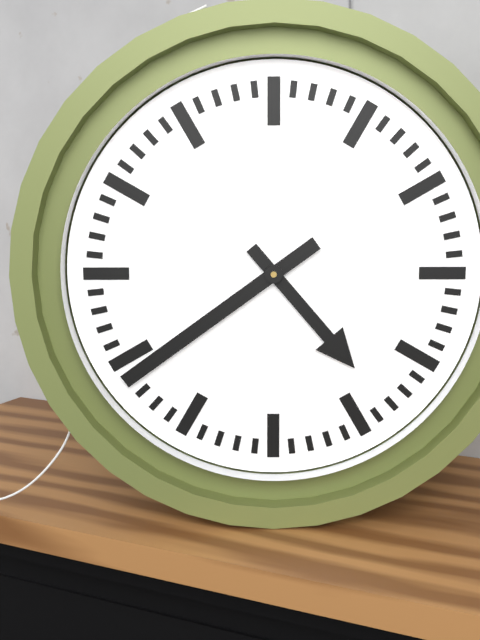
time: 4:39
